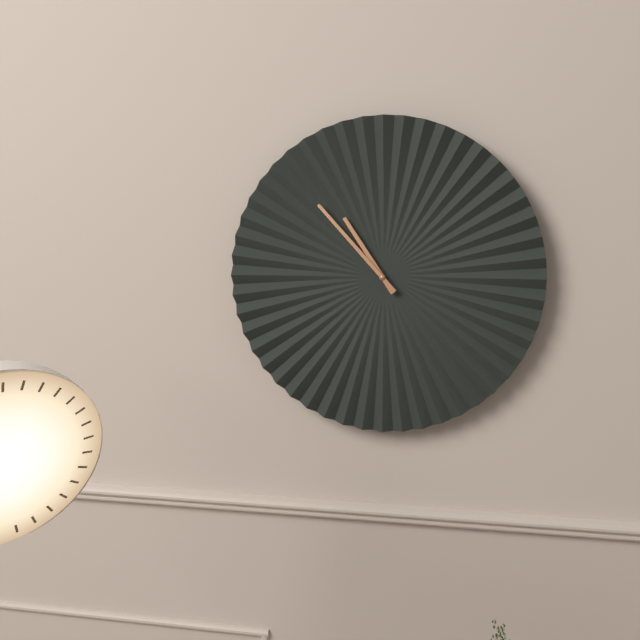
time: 10:53
